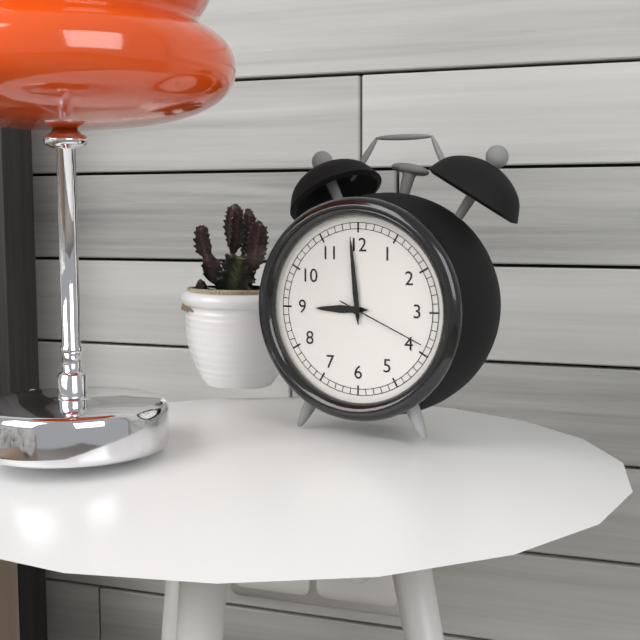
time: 8:59:19
